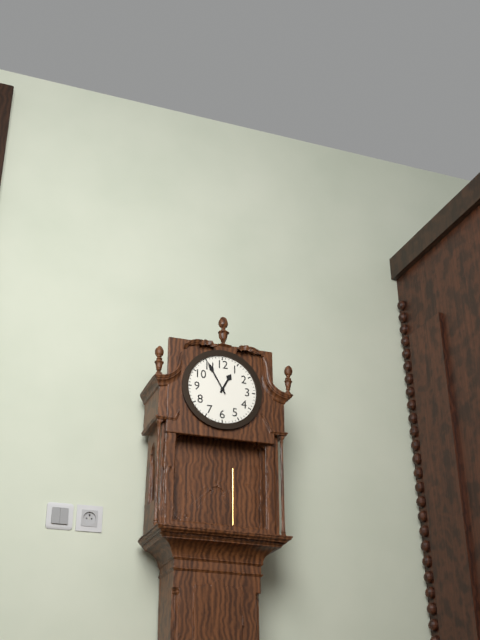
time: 12:55
